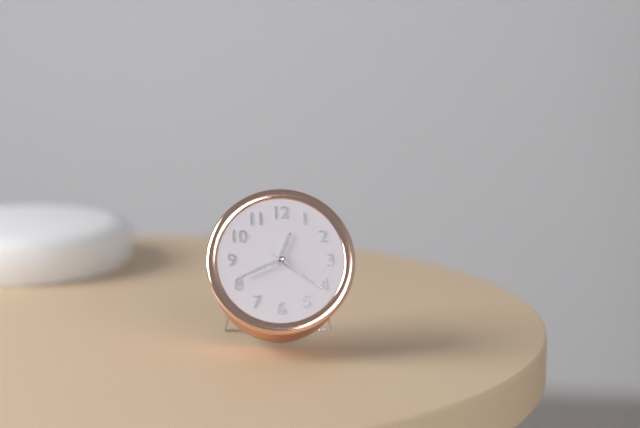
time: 12:41:21
